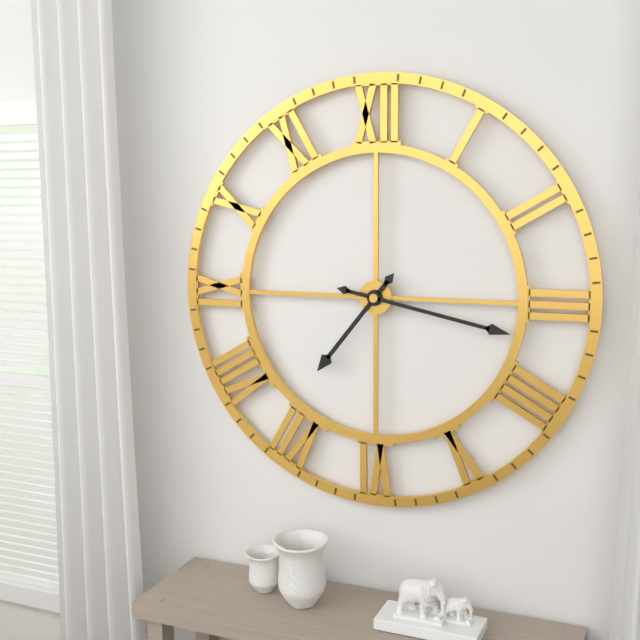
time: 7:17
